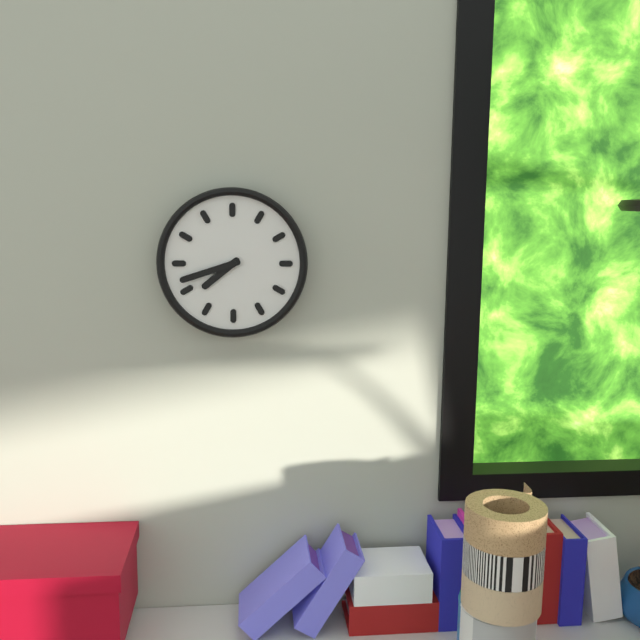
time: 7:42
